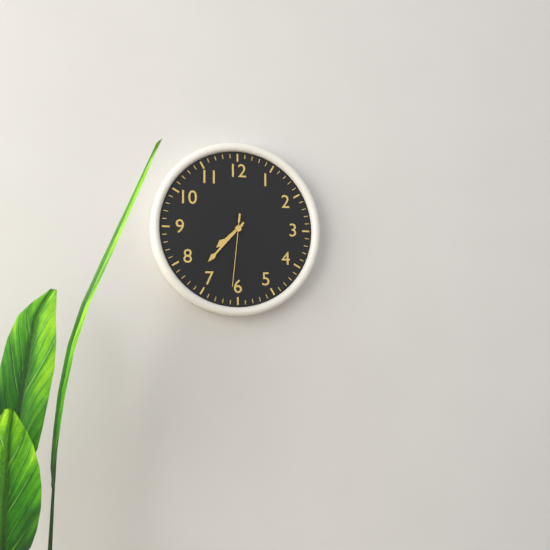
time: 7:37:31
